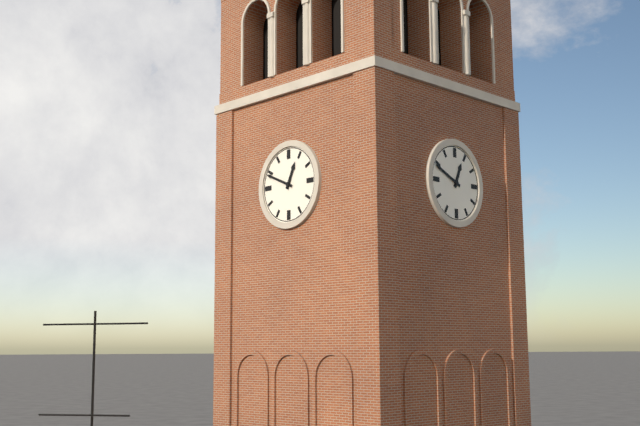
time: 12:49
